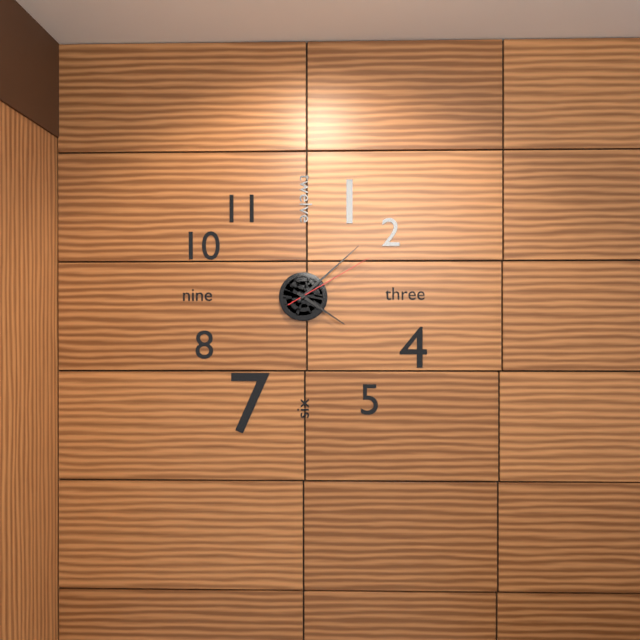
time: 4:08:10
